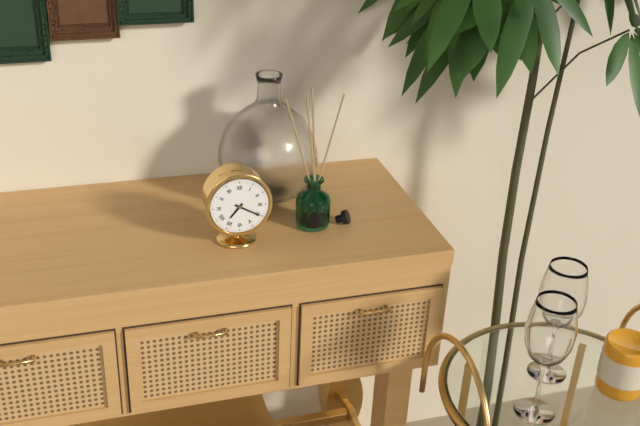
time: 7:20
